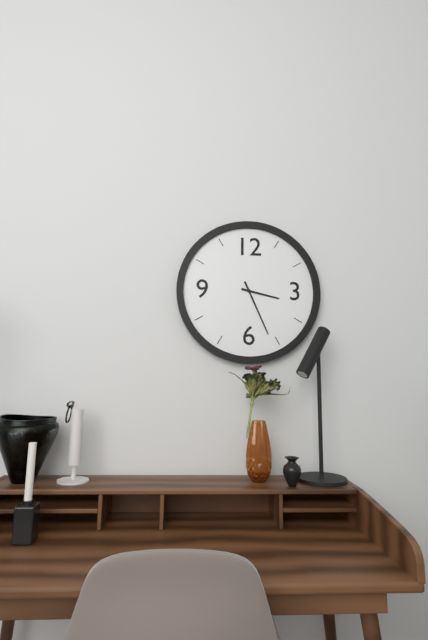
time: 3:26
